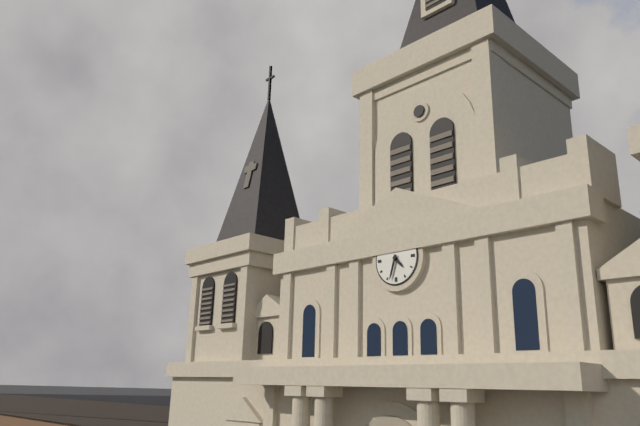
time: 4:33
